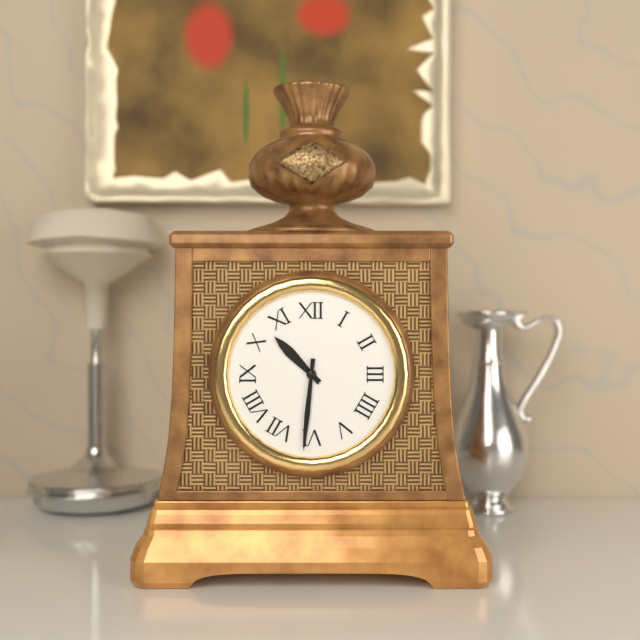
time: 10:31
